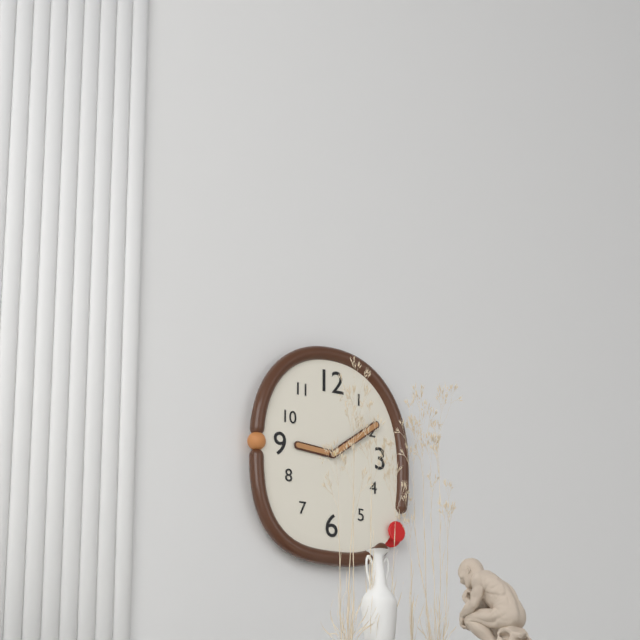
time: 9:09
